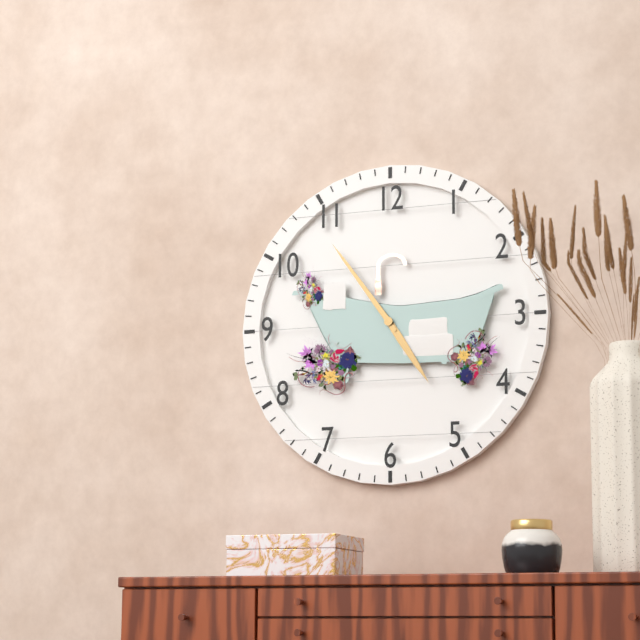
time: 4:54
